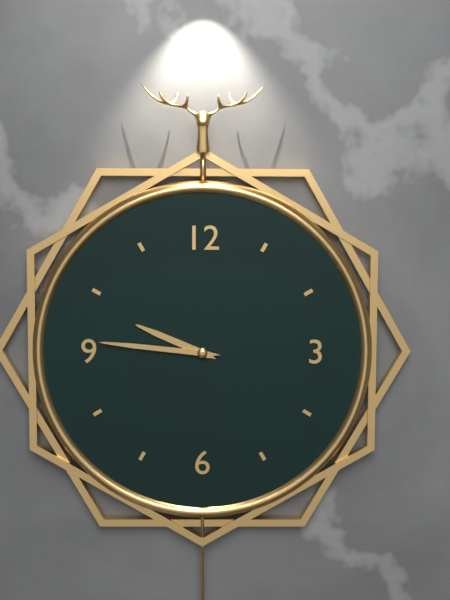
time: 9:46
